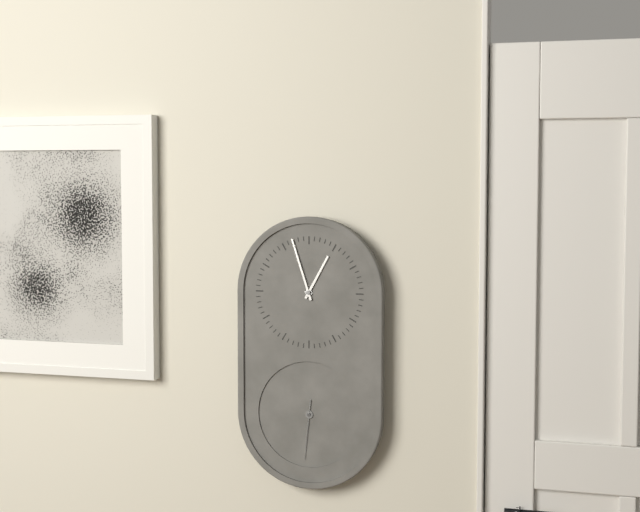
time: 12:57:31
